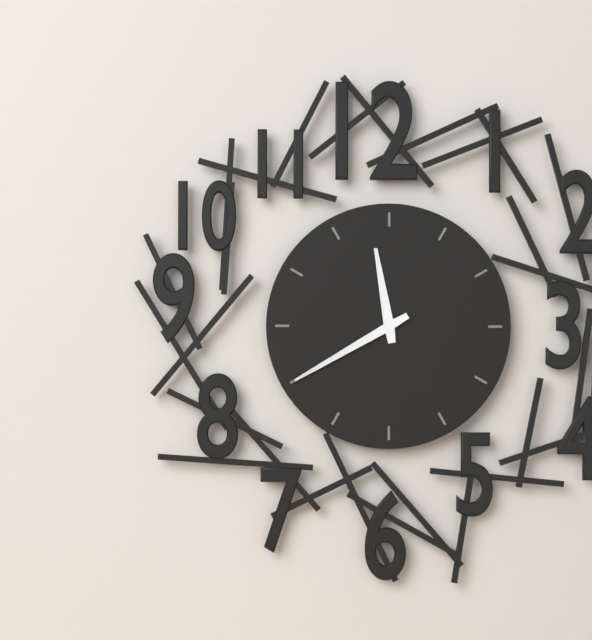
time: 11:40
